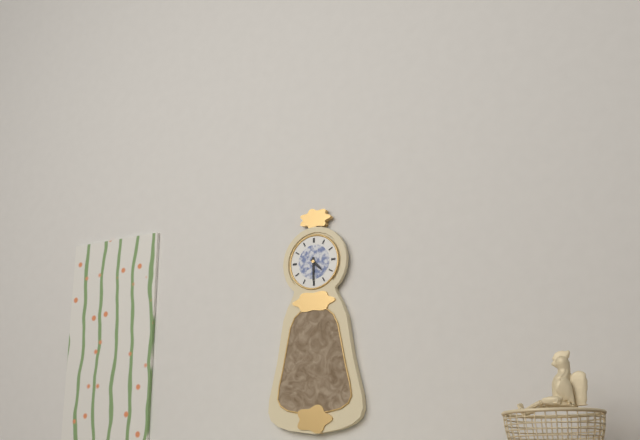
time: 4:30
